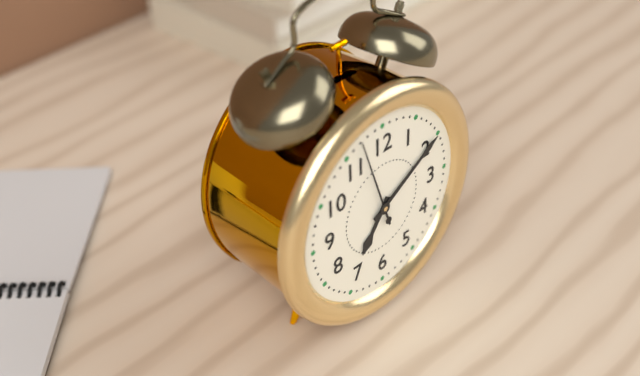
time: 7:10:57
